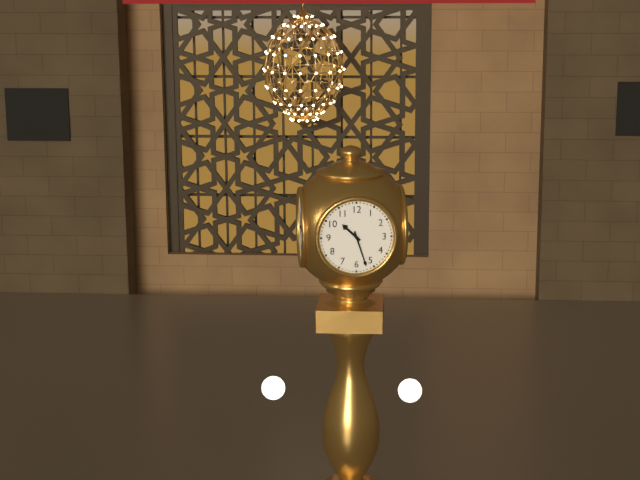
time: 10:27
